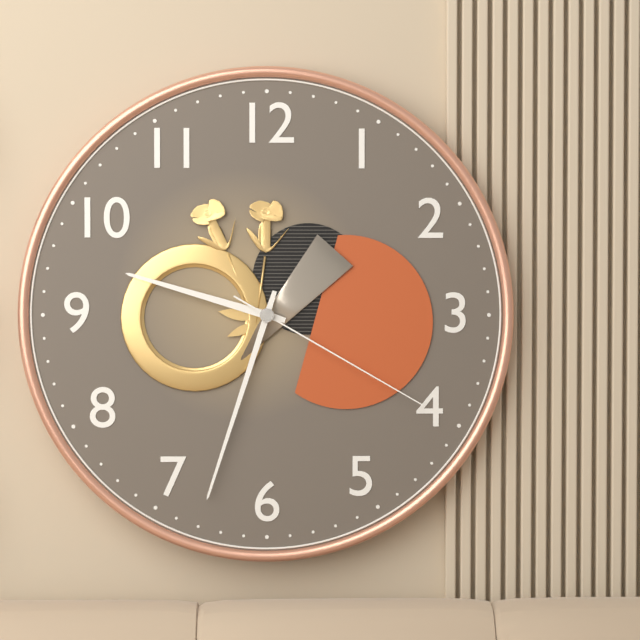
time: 9:33:20
